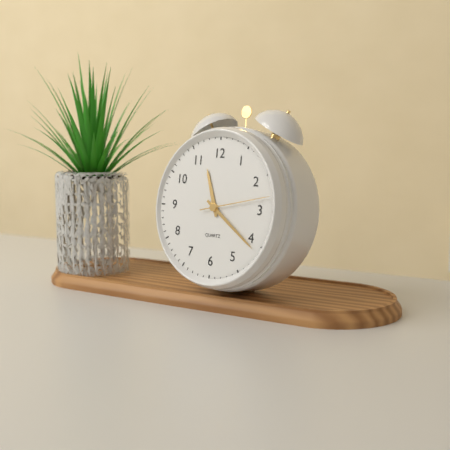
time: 11:21:13
